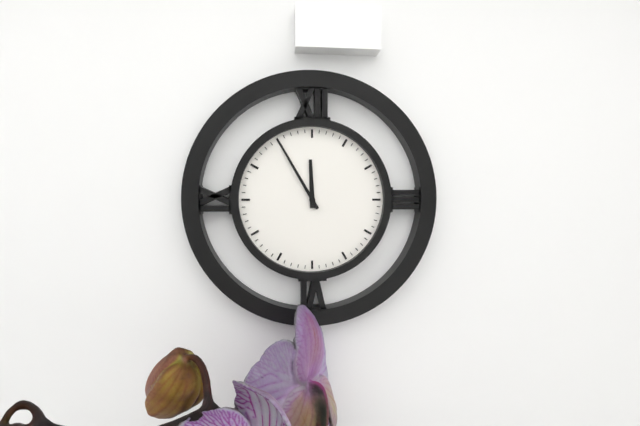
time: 11:55
